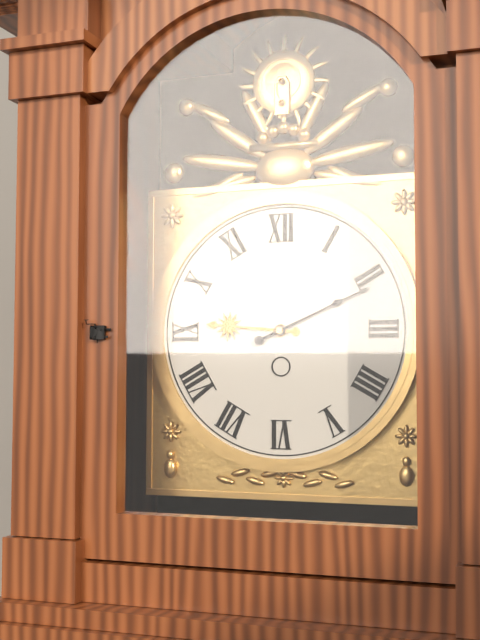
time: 9:11
